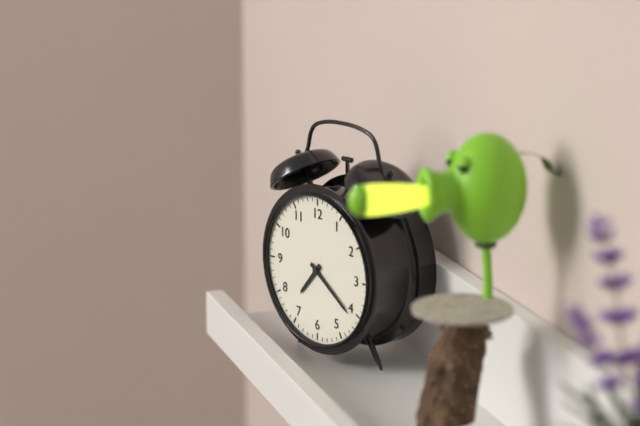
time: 7:21
